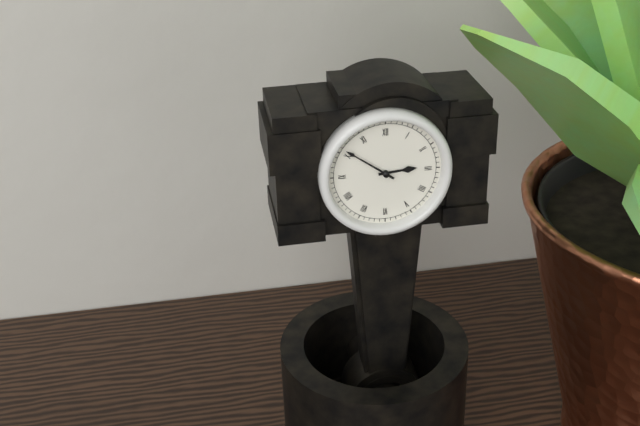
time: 2:51
